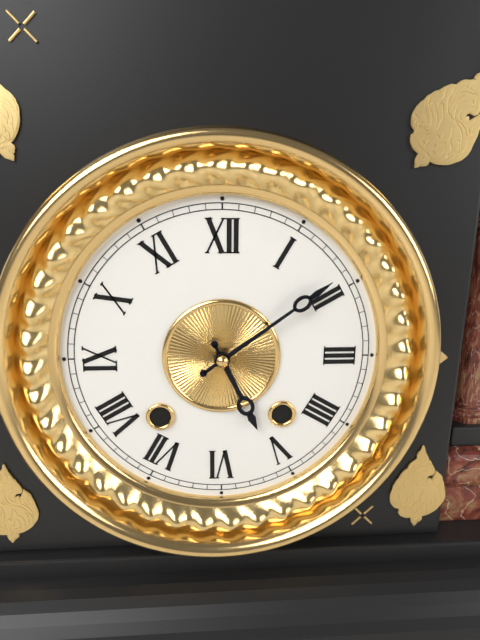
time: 5:09
